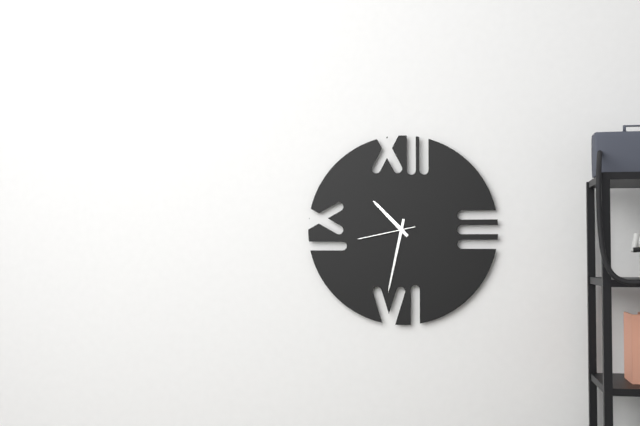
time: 10:32:43
